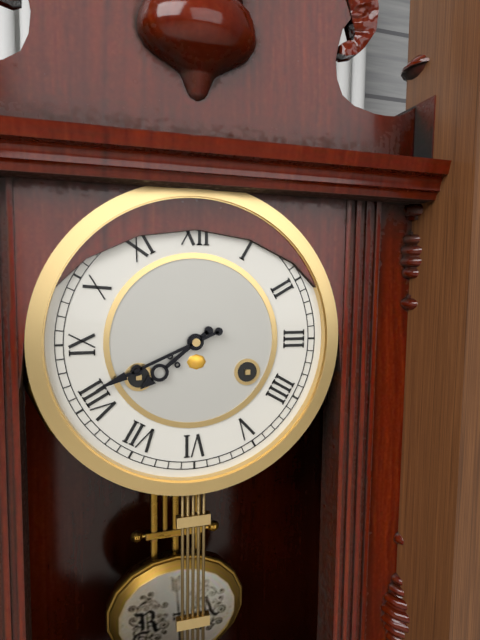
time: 7:41
